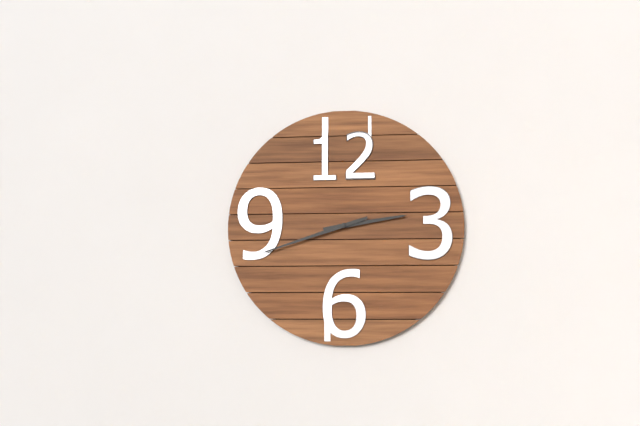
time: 2:42
